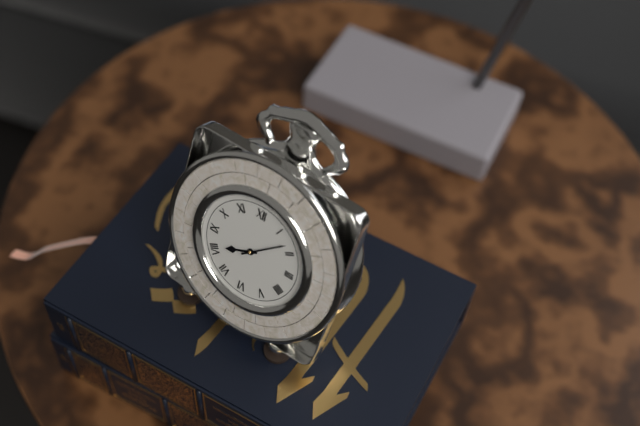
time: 8:08
